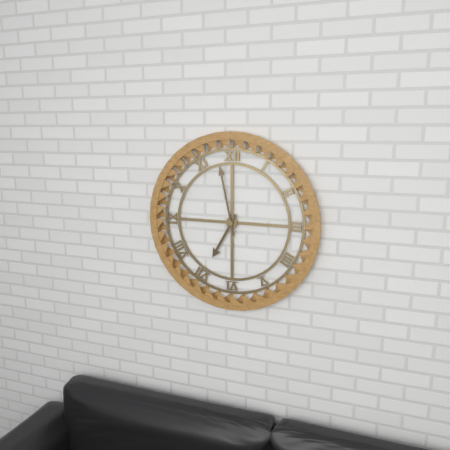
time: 6:58
